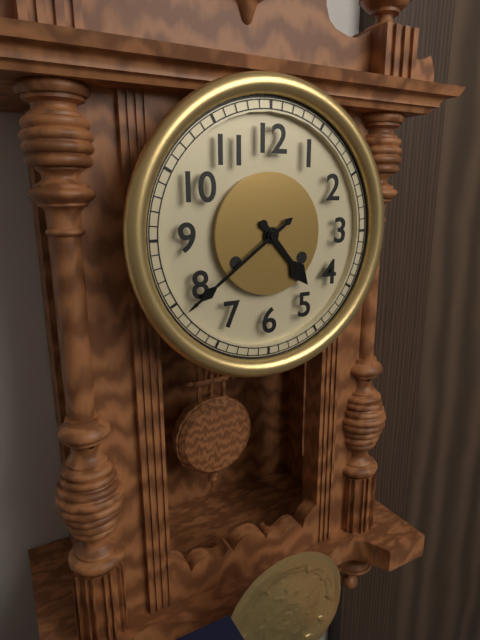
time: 4:39
